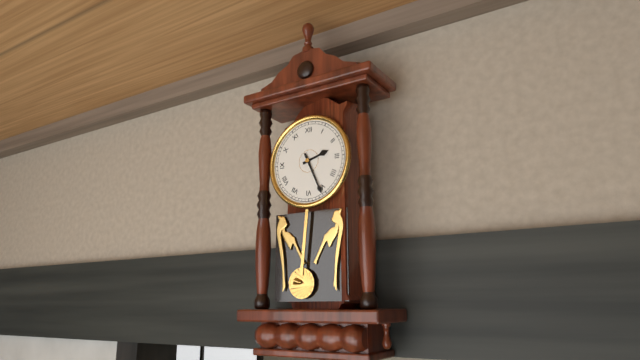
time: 2:26
